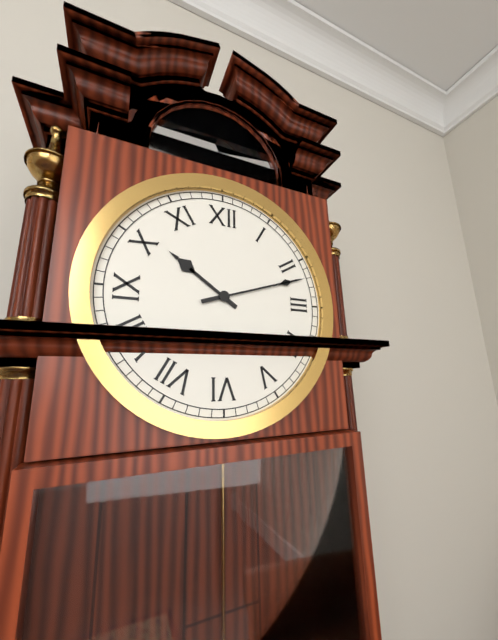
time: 10:12
